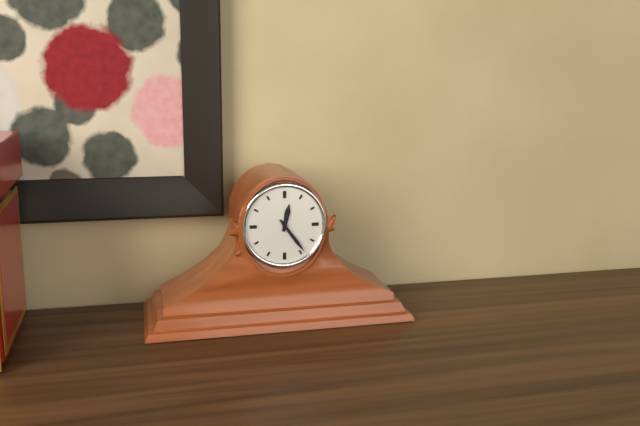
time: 12:24
